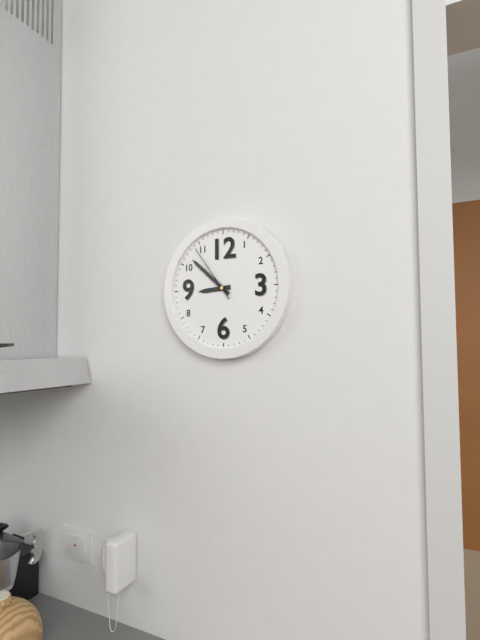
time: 8:52:54
